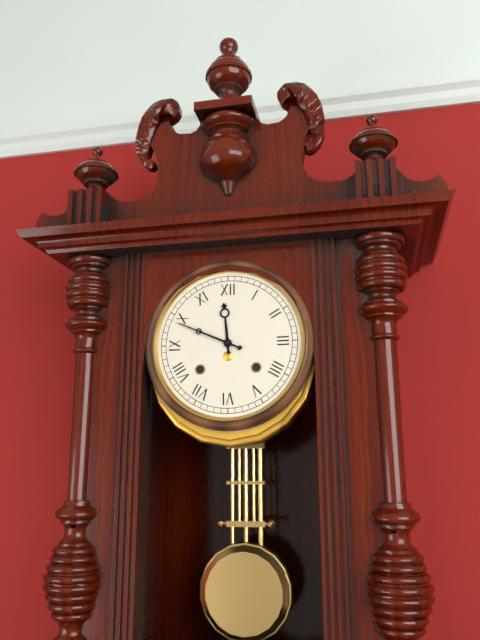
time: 11:49
